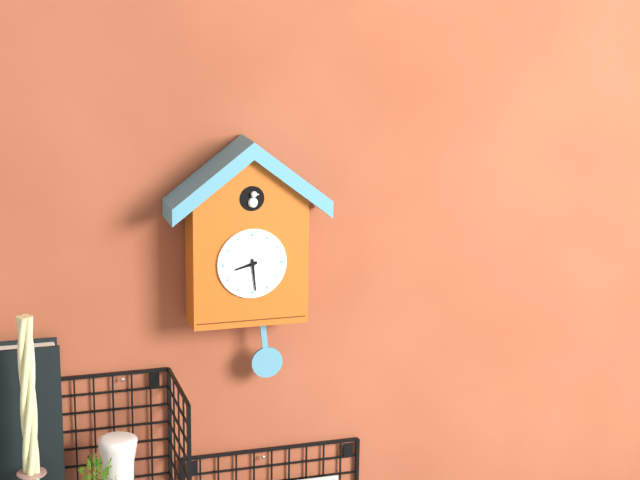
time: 8:29
